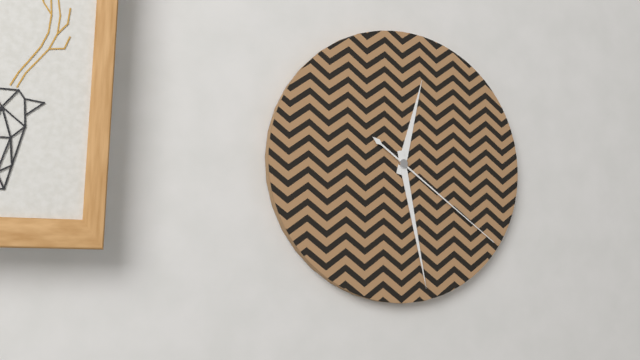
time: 12:28:21
